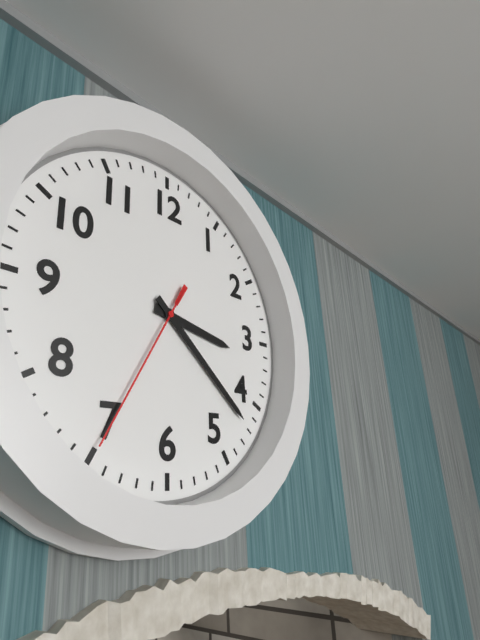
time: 3:22:35
